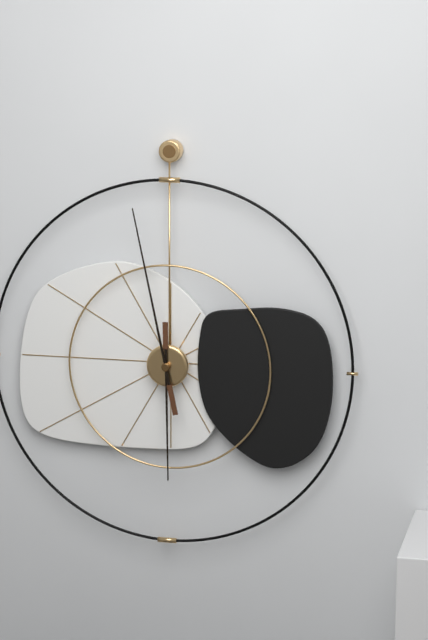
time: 5:58
